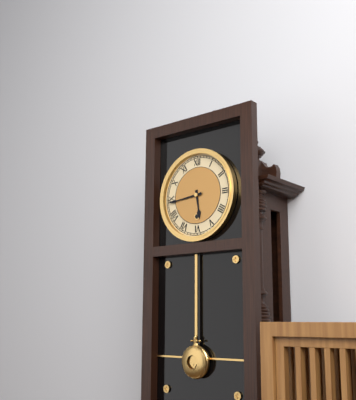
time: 5:44
